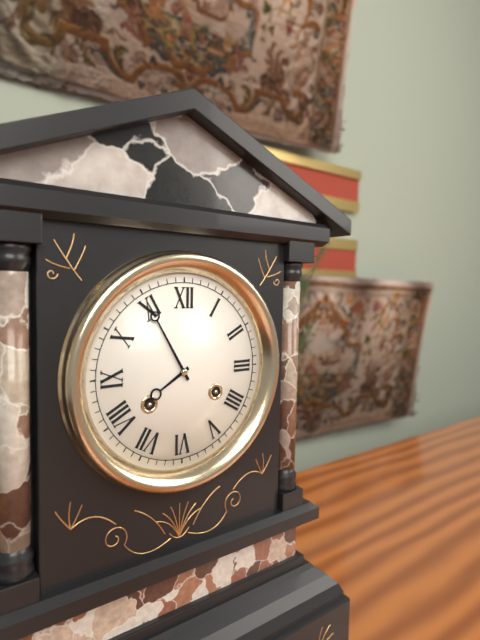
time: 7:55
